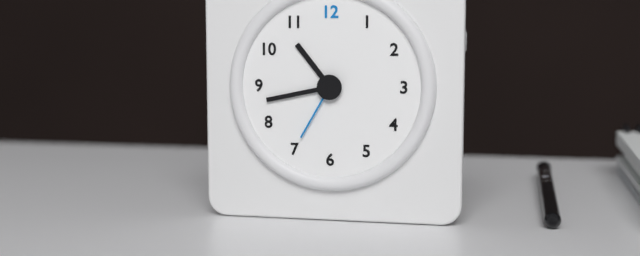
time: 10:43:35
